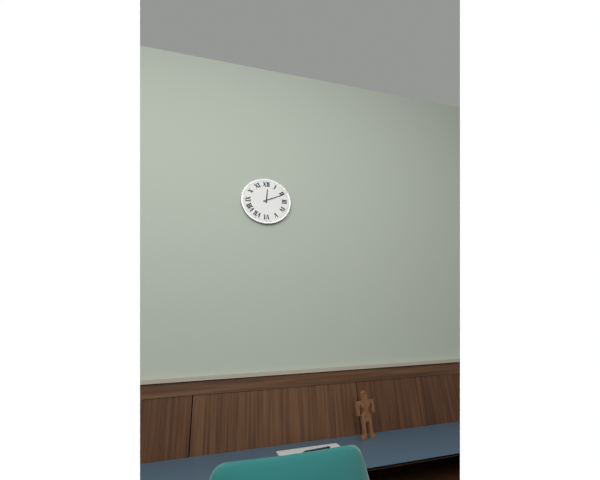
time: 12:11
